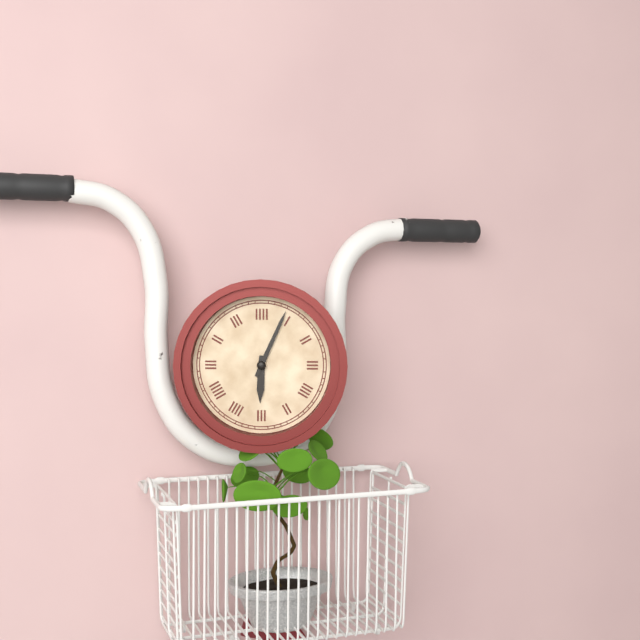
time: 6:04
